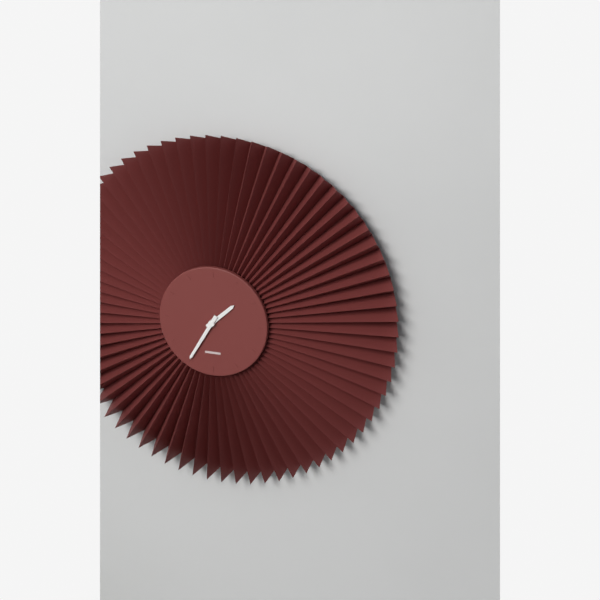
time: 1:35
